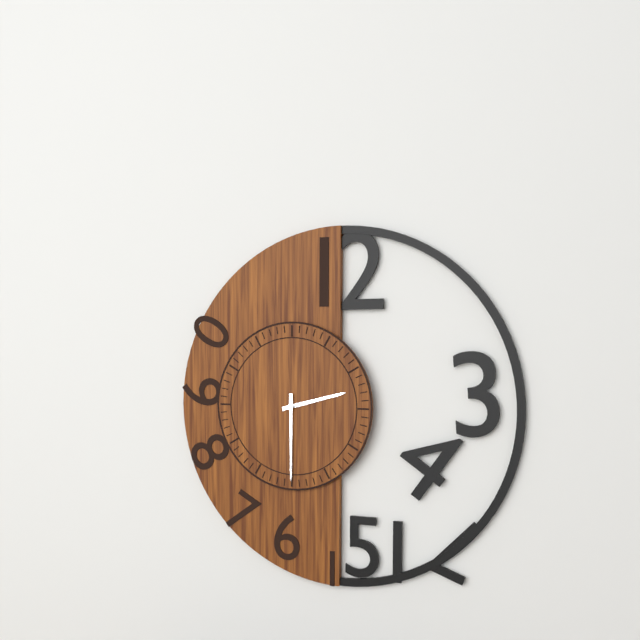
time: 2:30
